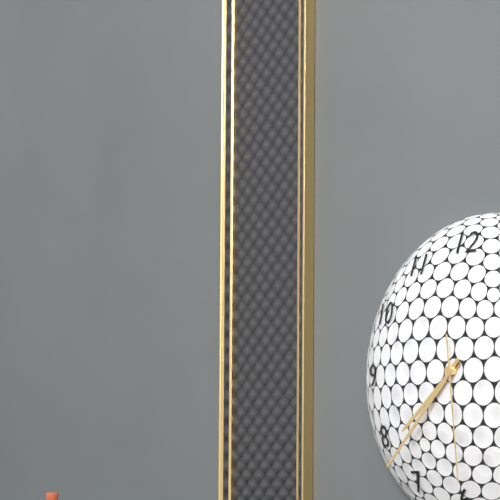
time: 7:37:29
